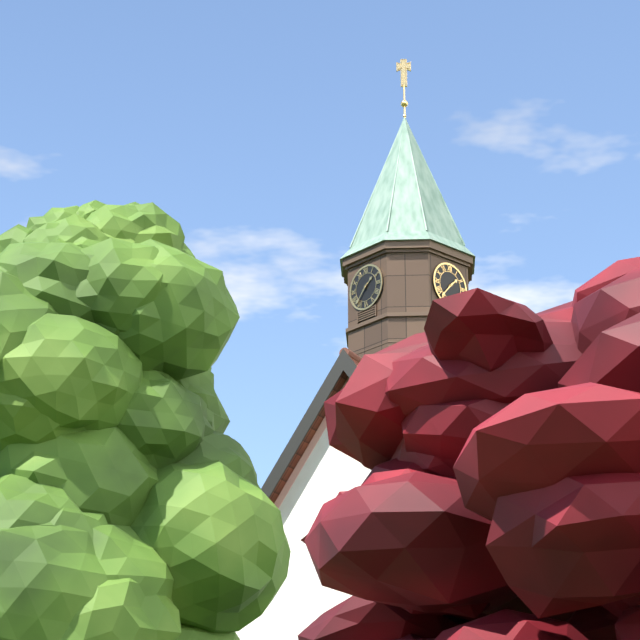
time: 1:37
